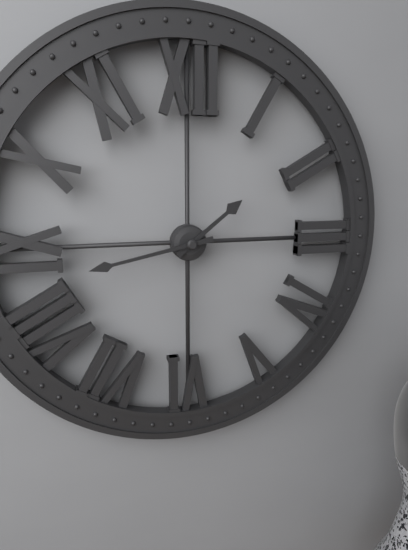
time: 1:43
